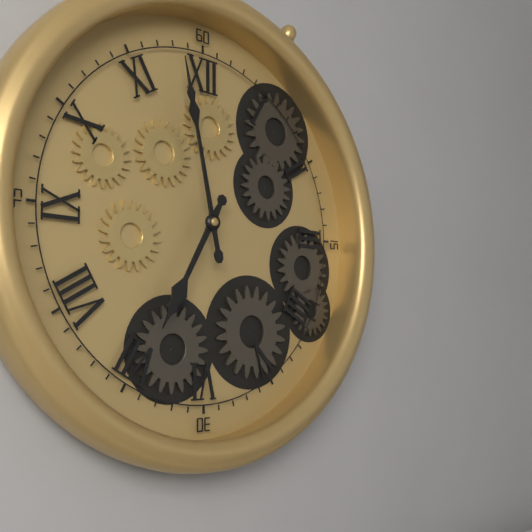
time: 6:58
